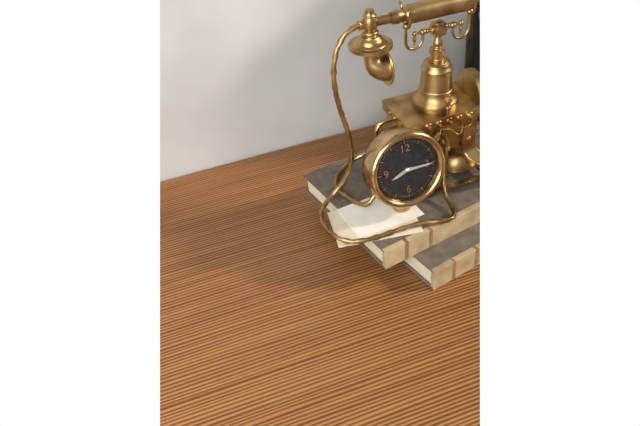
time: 8:15
